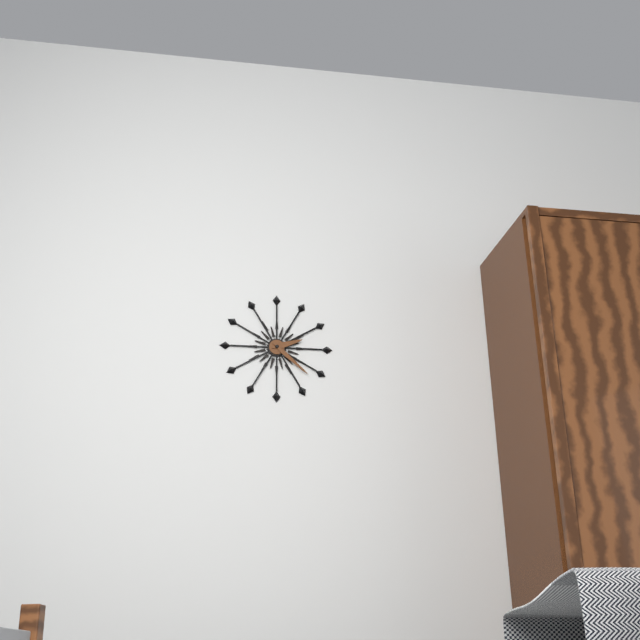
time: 2:22
